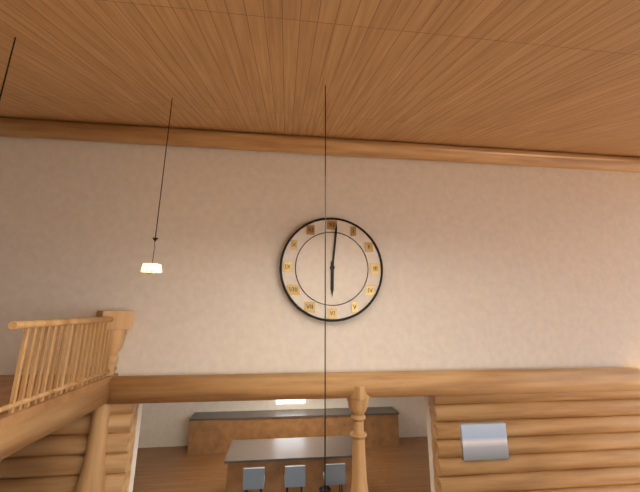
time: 6:01
